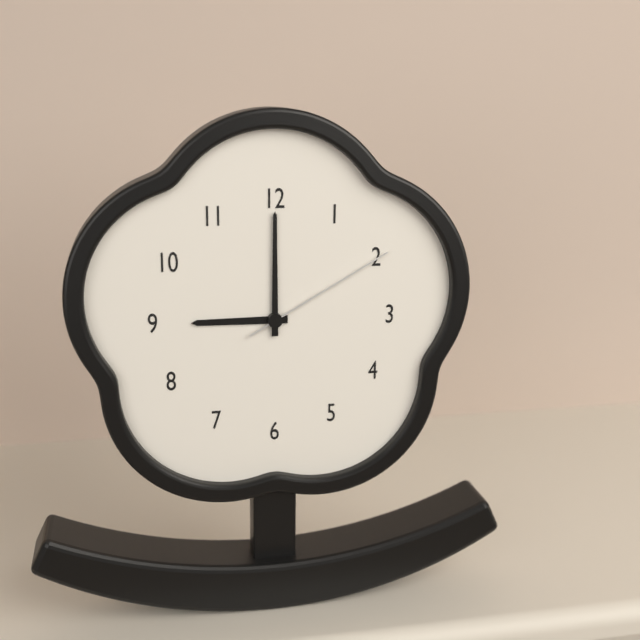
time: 9:00:10
